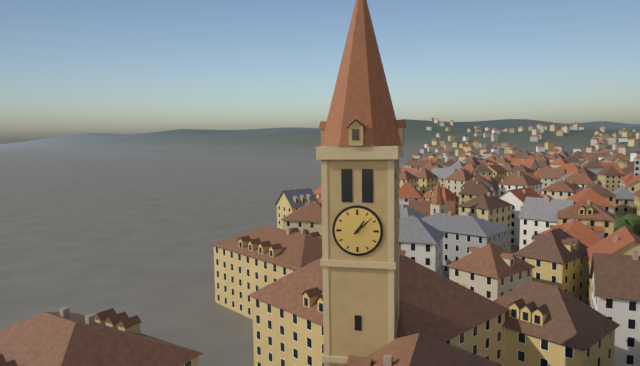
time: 1:08
